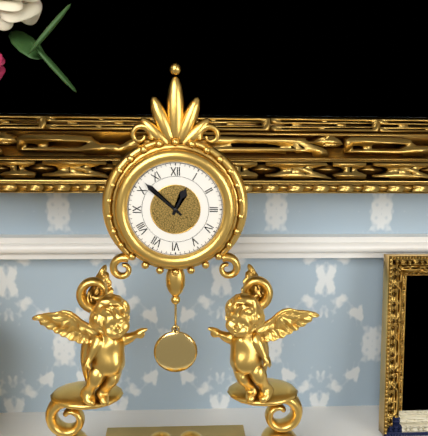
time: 12:52
